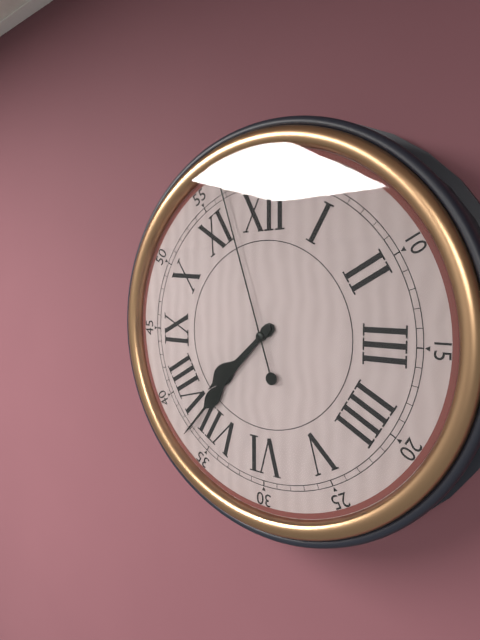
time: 7:37:57
